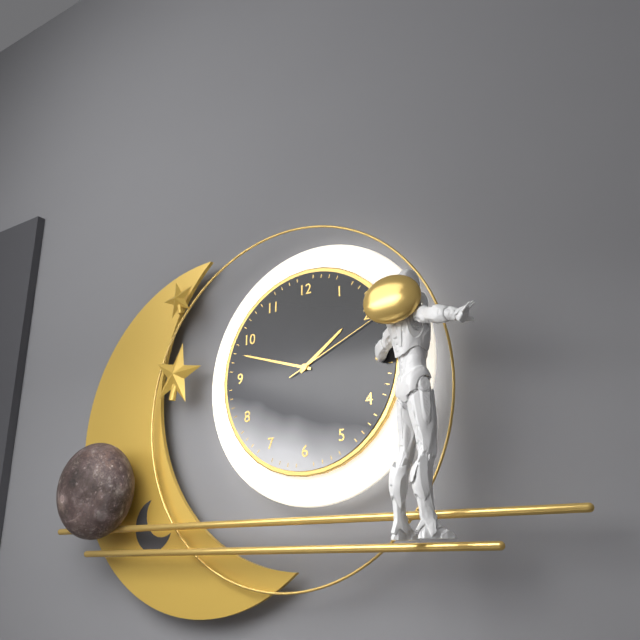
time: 1:48:11
